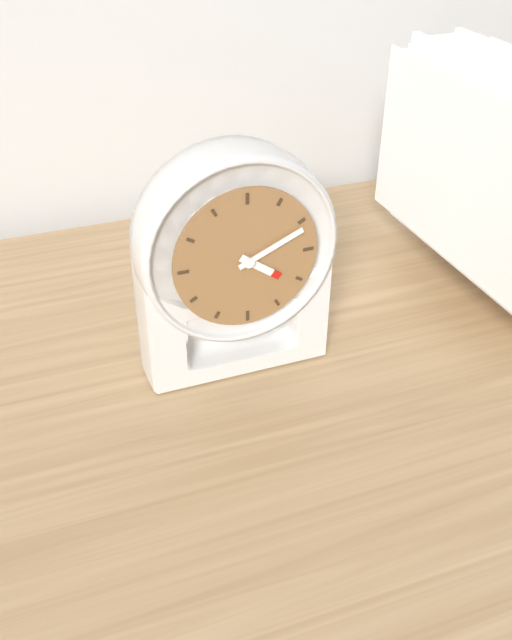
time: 4:11
